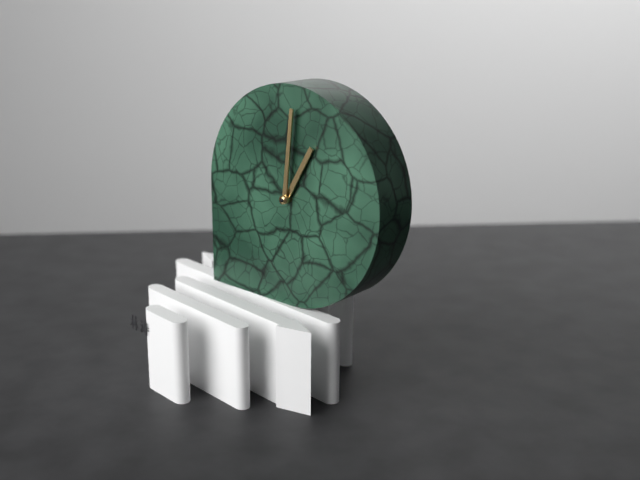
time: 1:01
